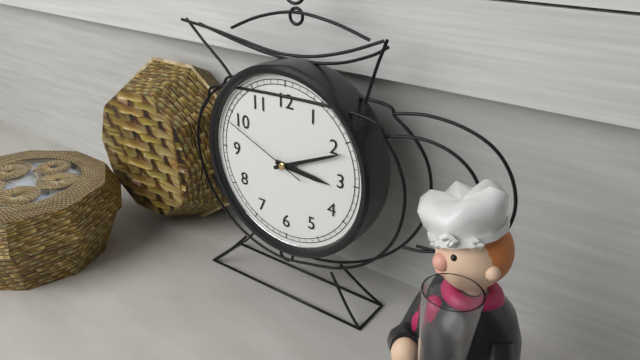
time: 3:11:49
